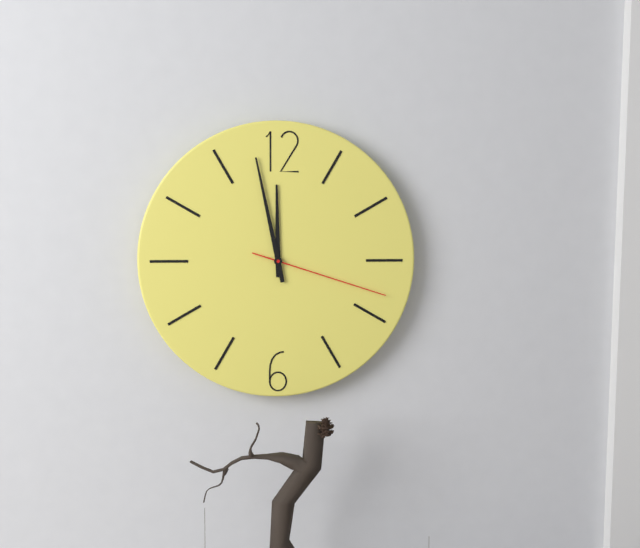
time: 11:58:18
